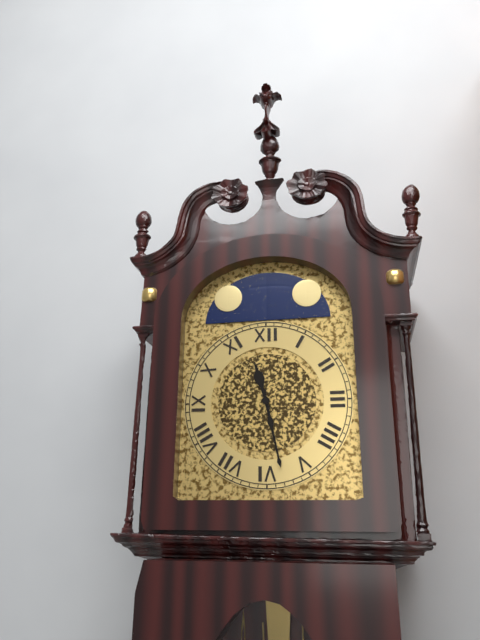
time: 11:28
